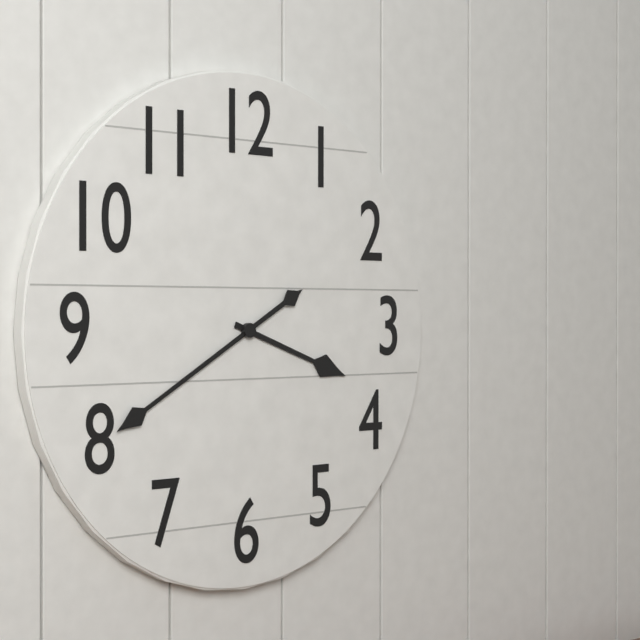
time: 3:40
